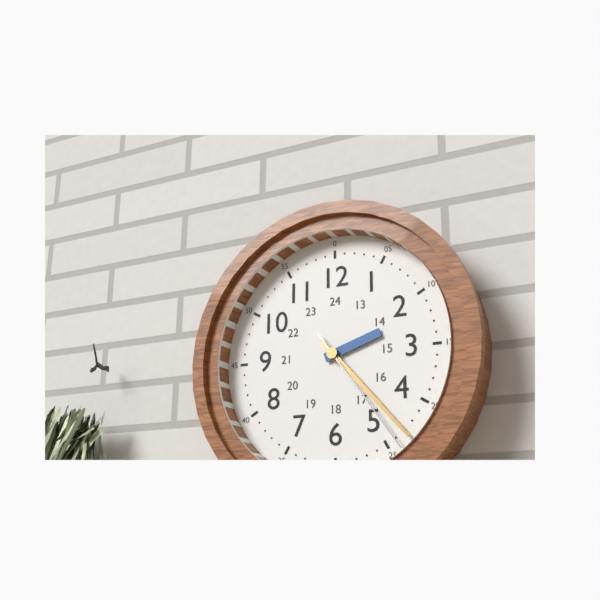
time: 2:23:24
